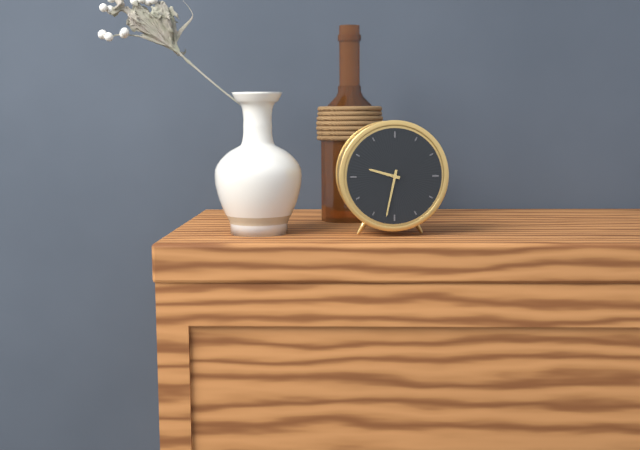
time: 9:32
